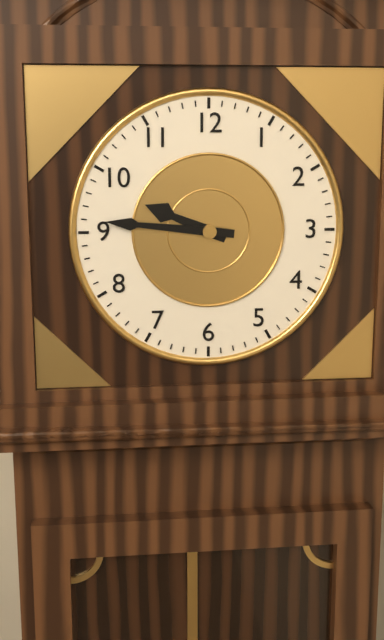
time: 9:46
